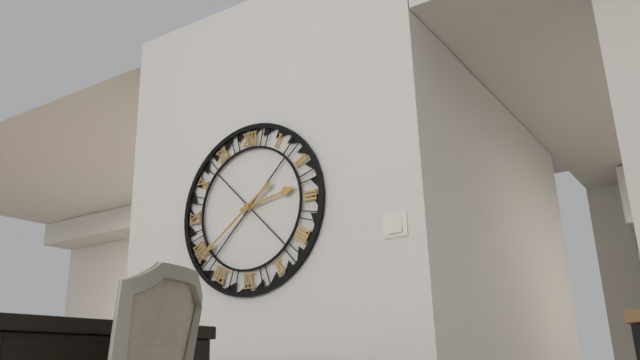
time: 2:39
